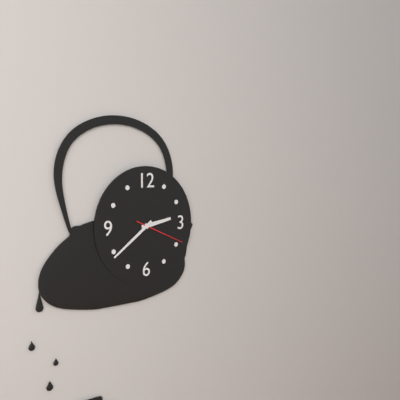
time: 2:39
